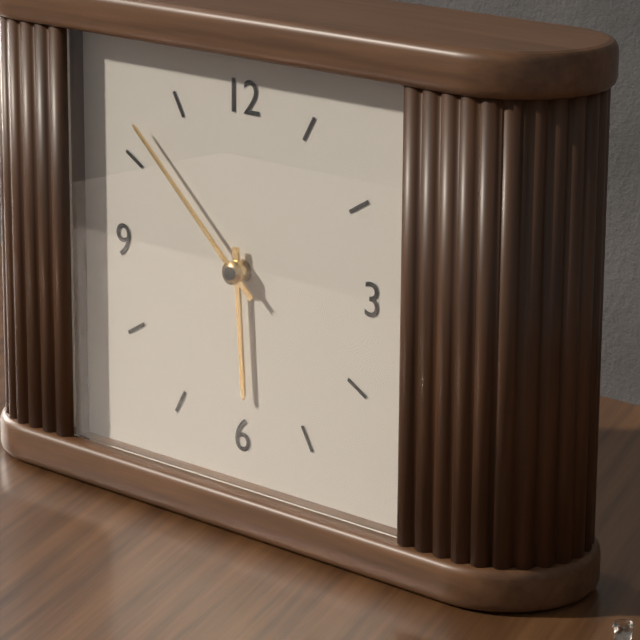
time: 5:52
